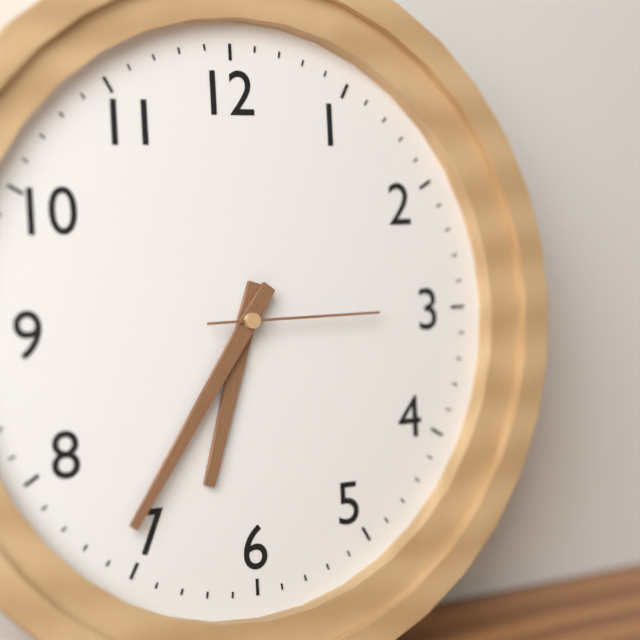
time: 6:36:15
